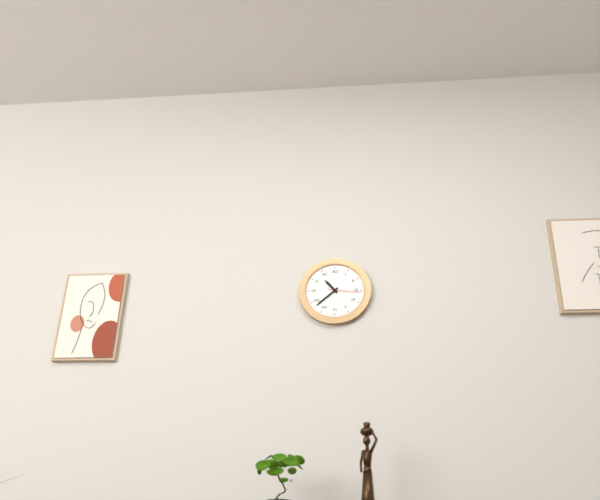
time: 10:38
